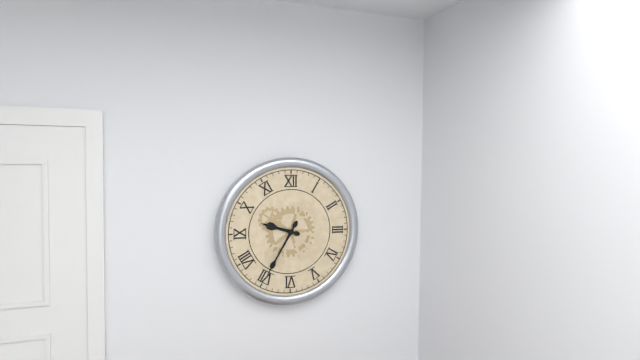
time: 9:35
